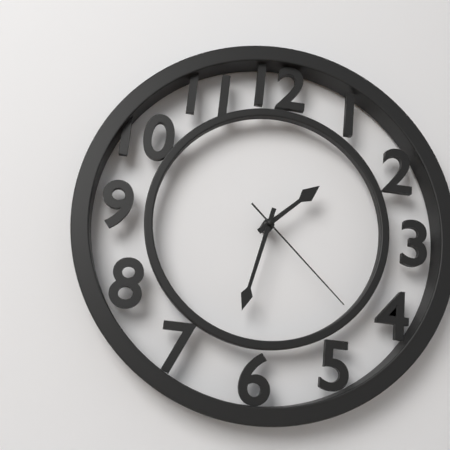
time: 1:32:22
